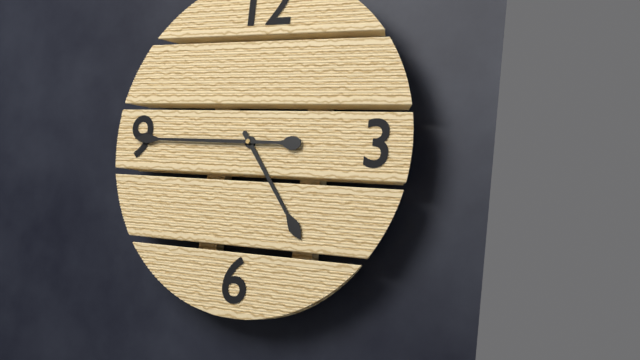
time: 4:45
